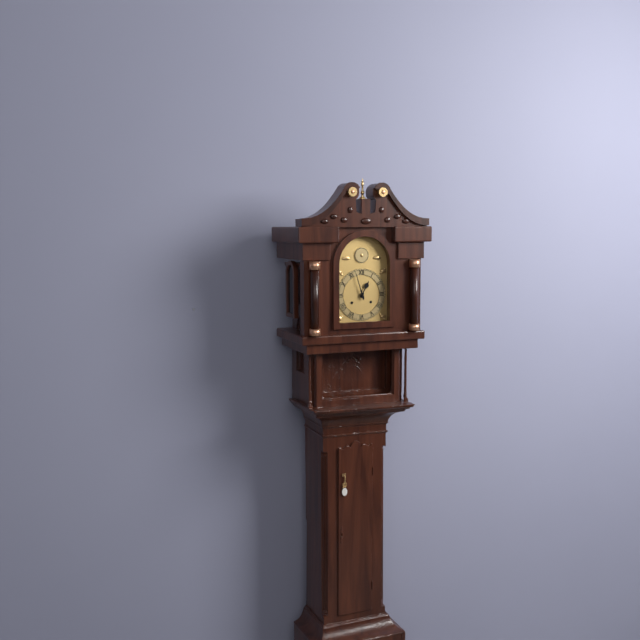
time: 12:57
